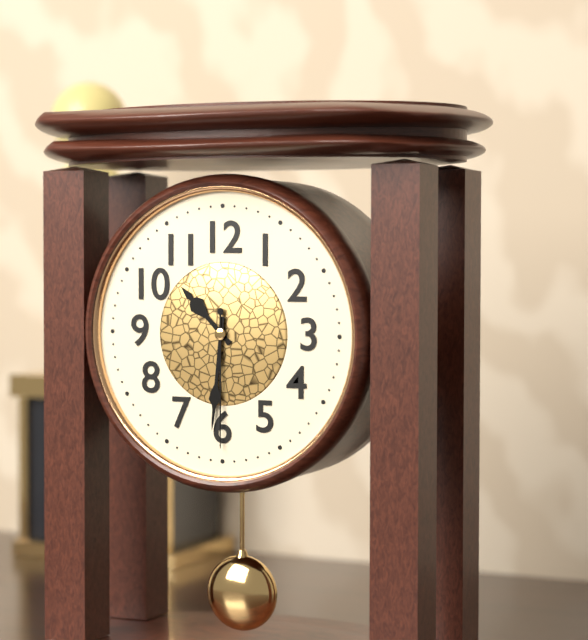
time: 10:31:30
